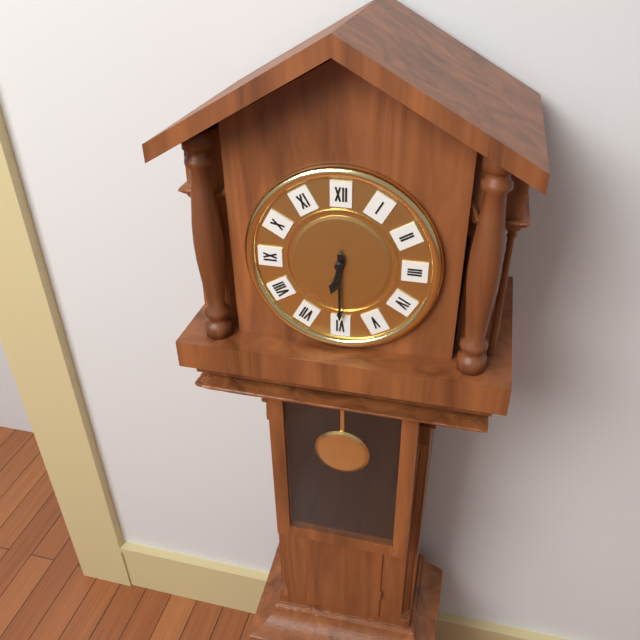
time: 6:30
